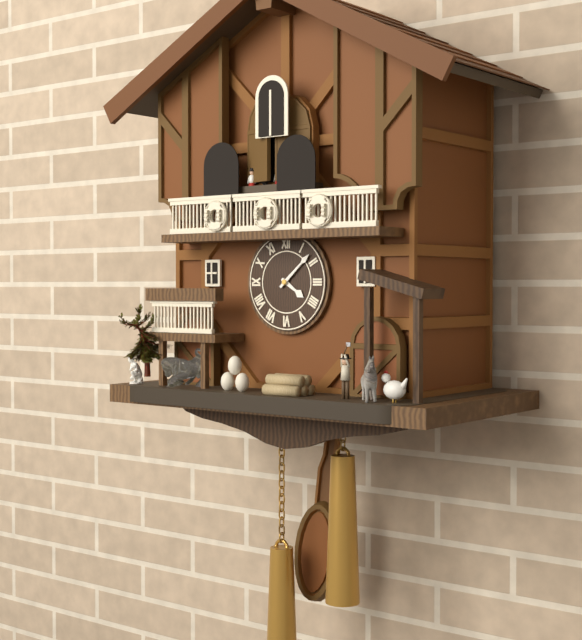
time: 4:08
